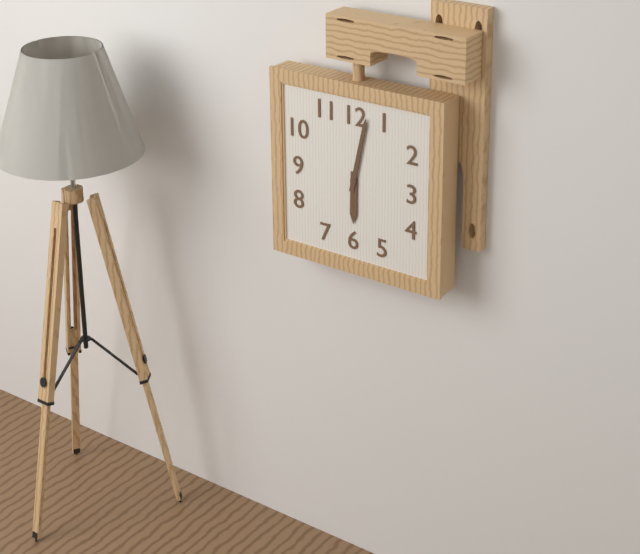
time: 6:02
